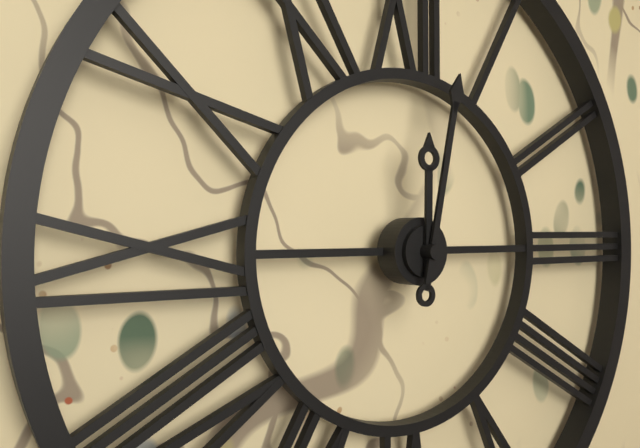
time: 12:02
